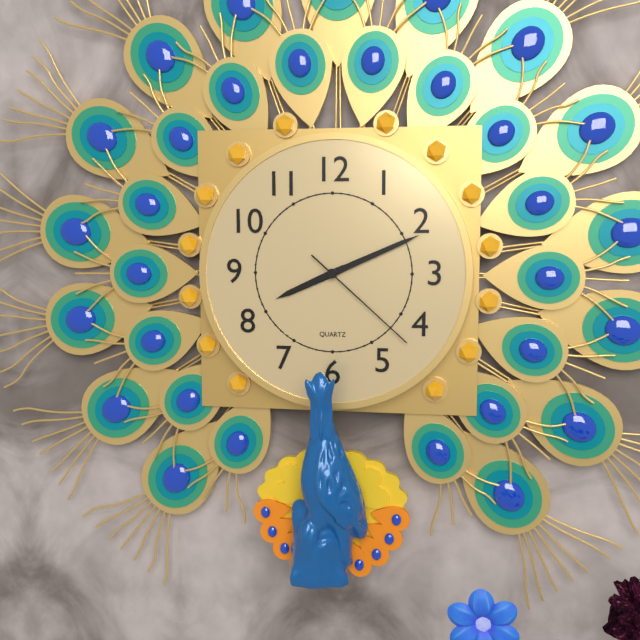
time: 8:11:22
